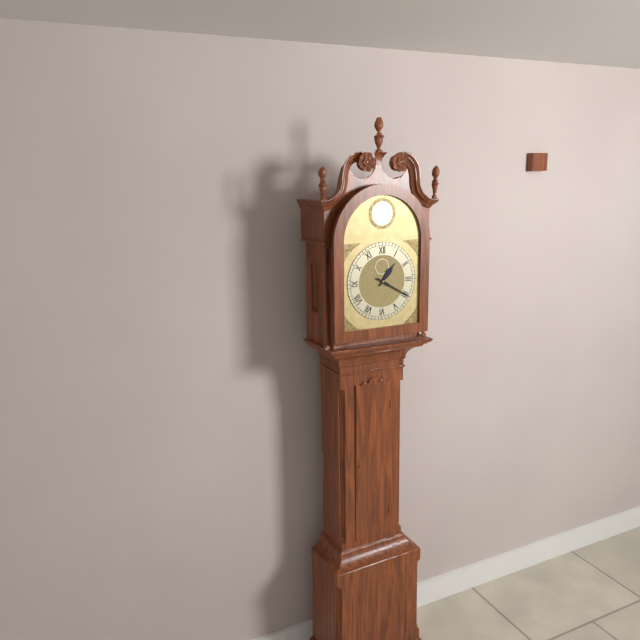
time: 1:20
